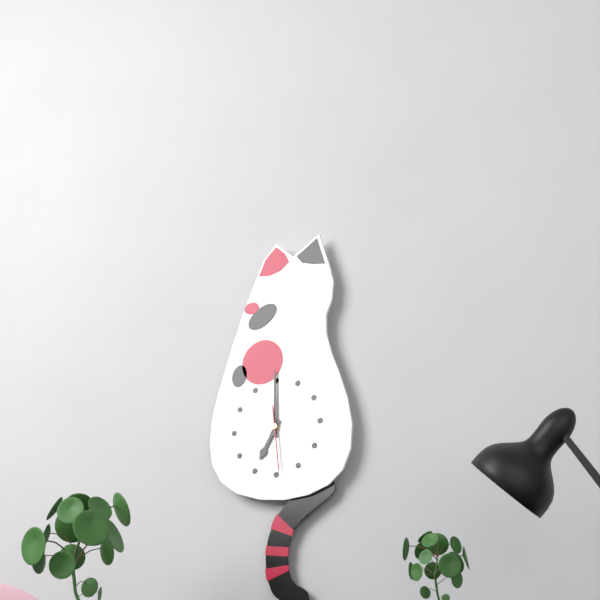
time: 7:00:29
